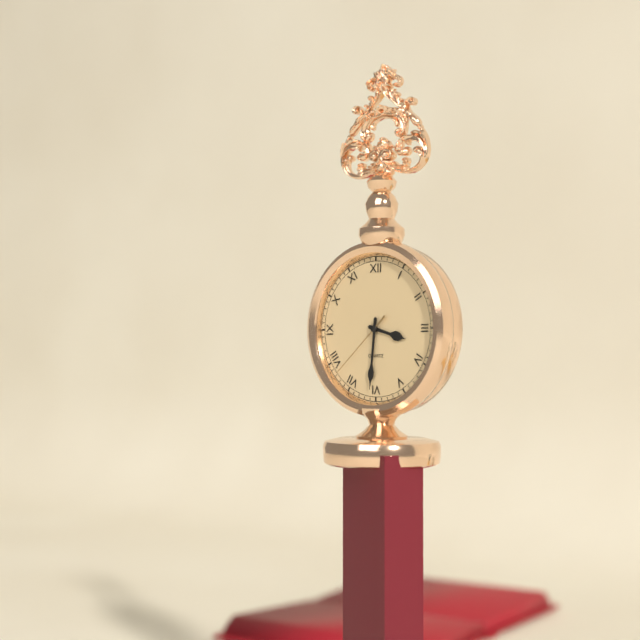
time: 3:31:38
